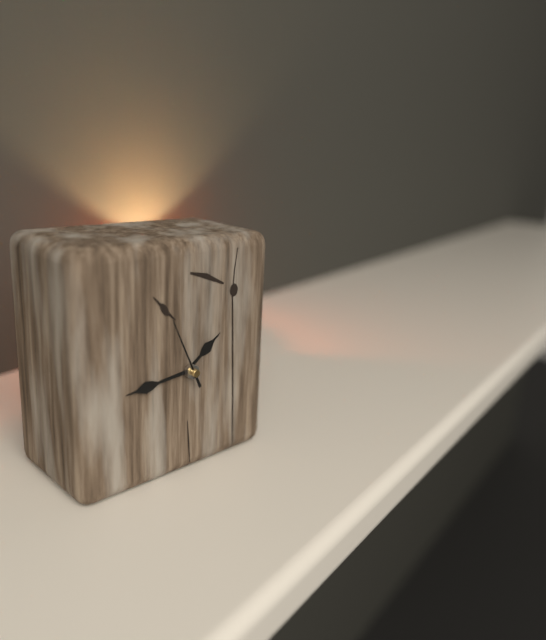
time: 1:44:56
